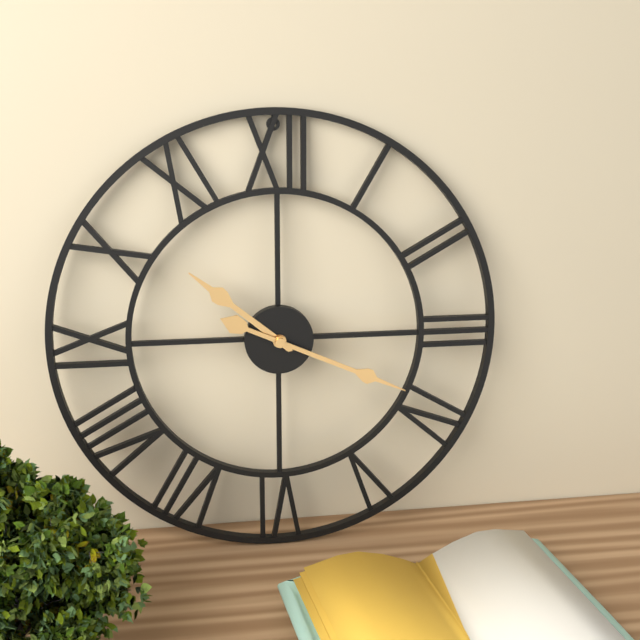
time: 10:19
